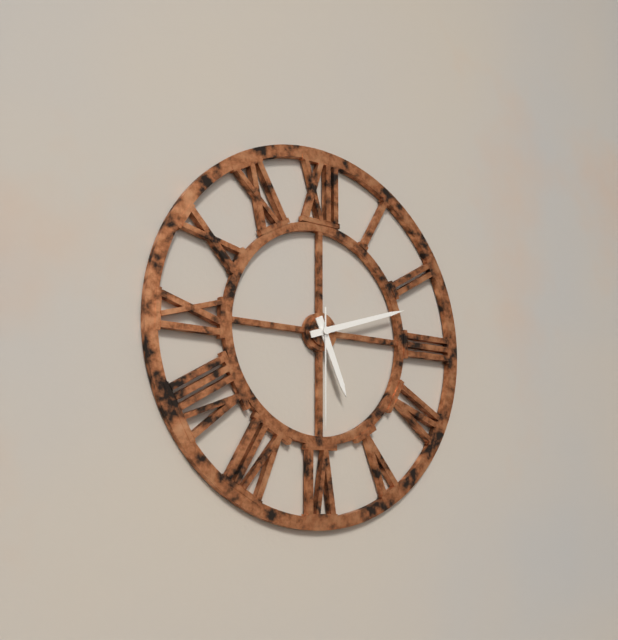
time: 5:12:30
